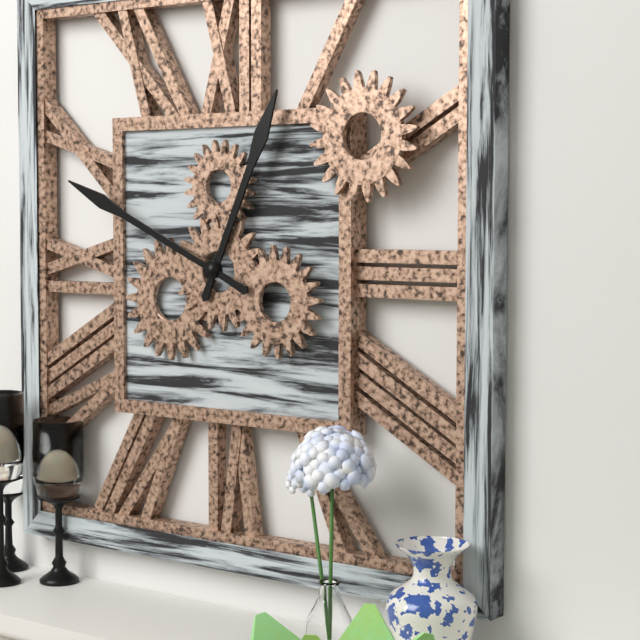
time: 12:49
